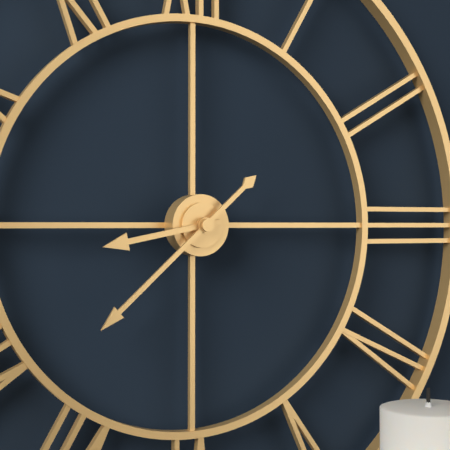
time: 8:38
